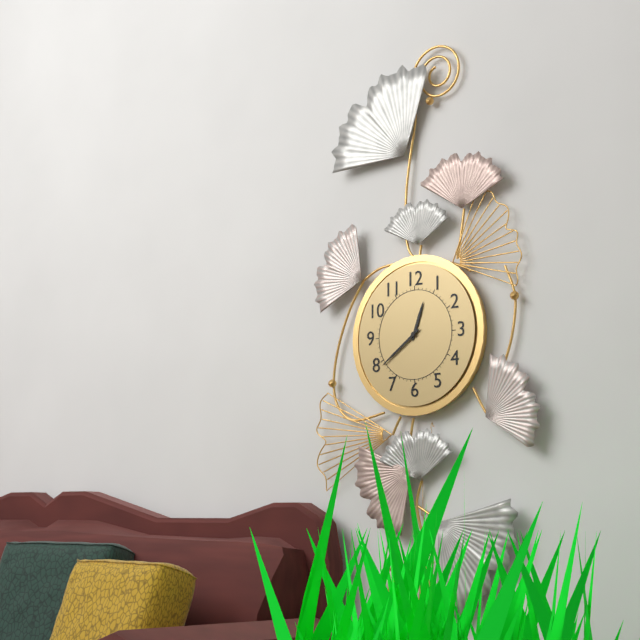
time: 12:39
